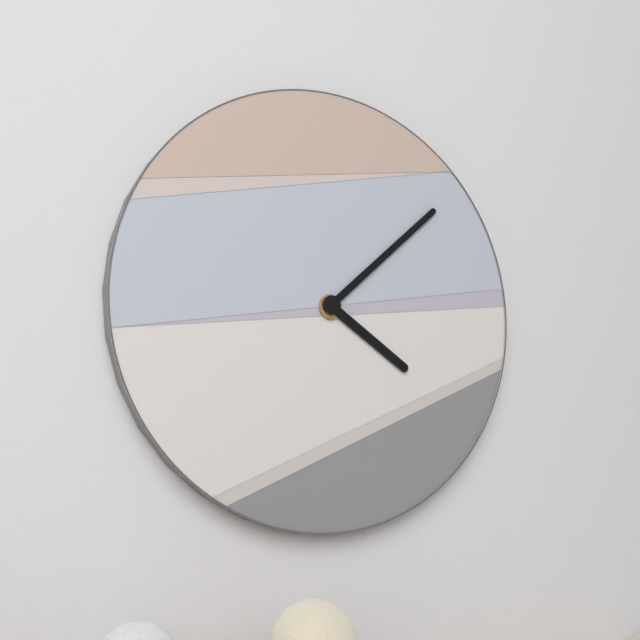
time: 4:08
